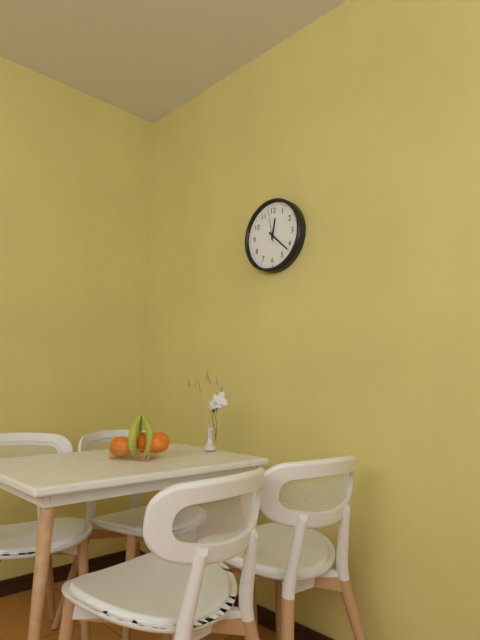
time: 12:22
